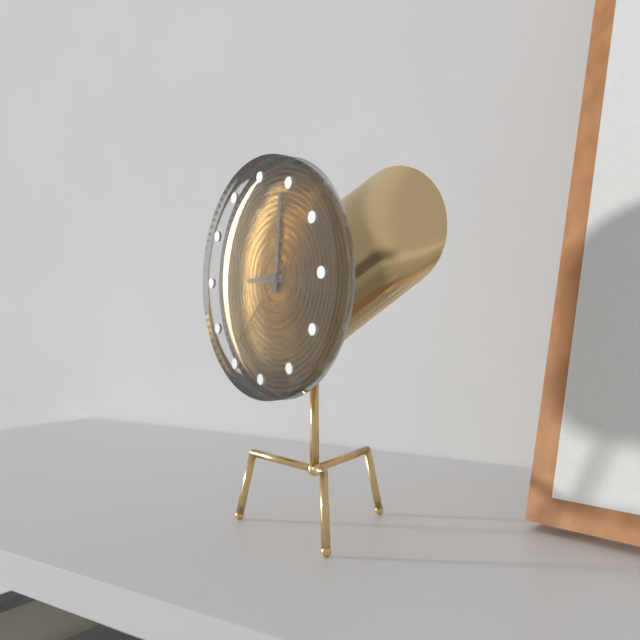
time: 9:01:38
